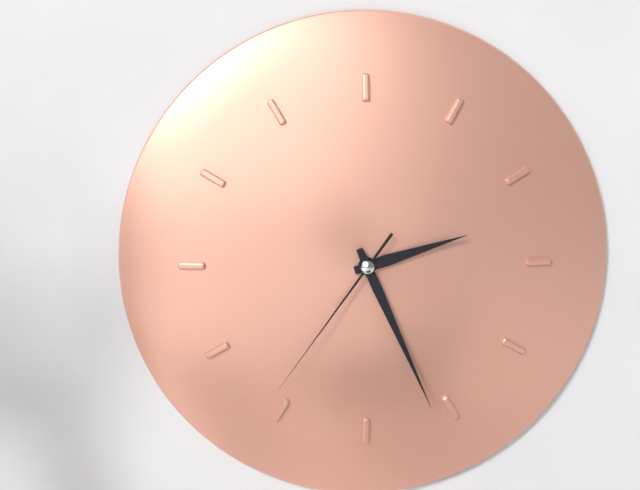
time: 2:26:36
